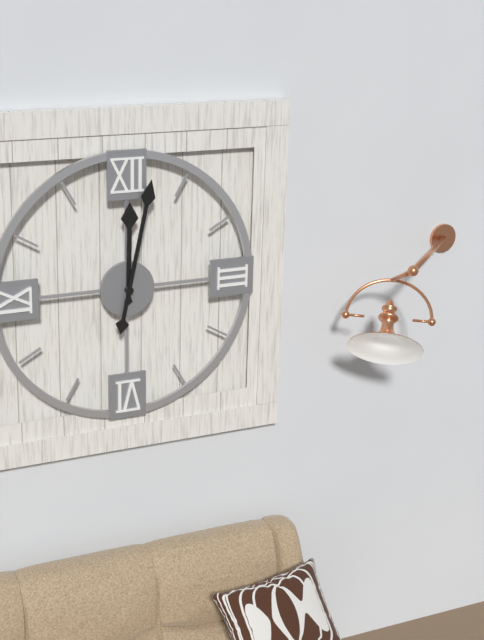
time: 12:02
